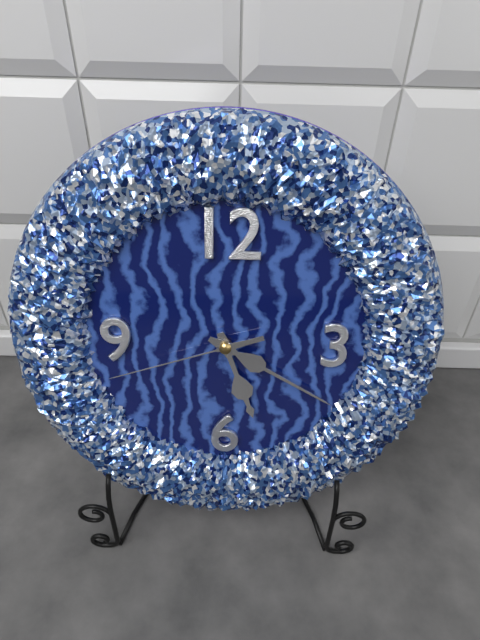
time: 5:20:42
